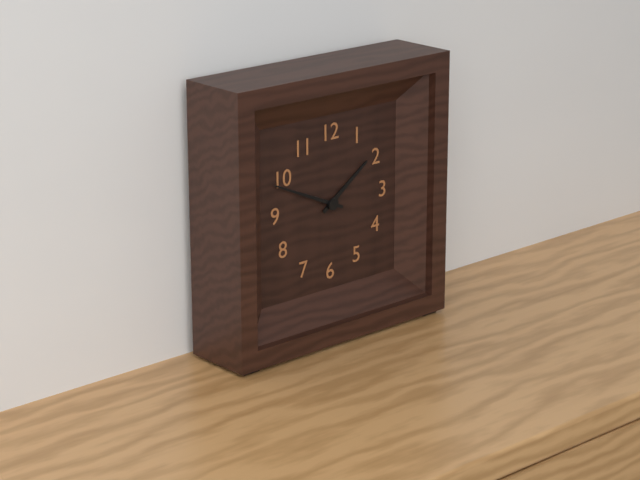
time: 1:49
